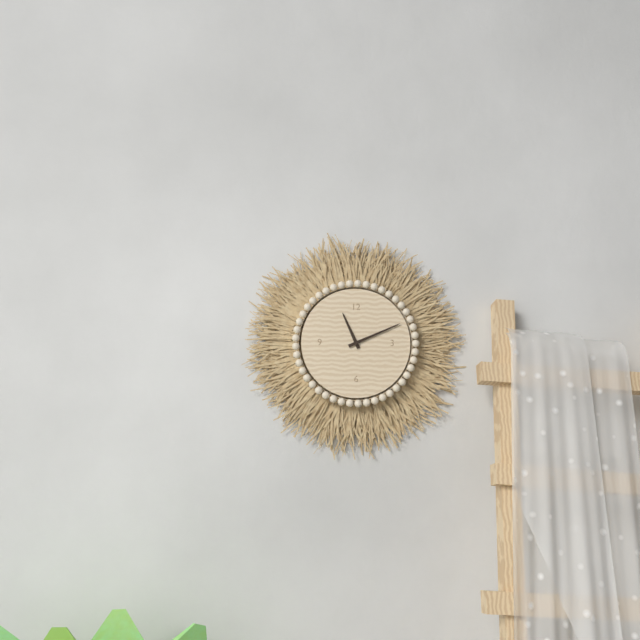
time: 11:11
